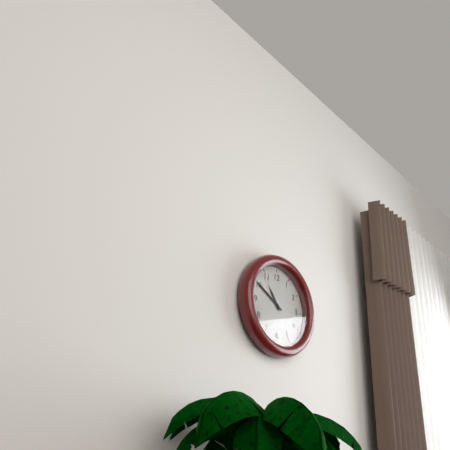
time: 10:50
